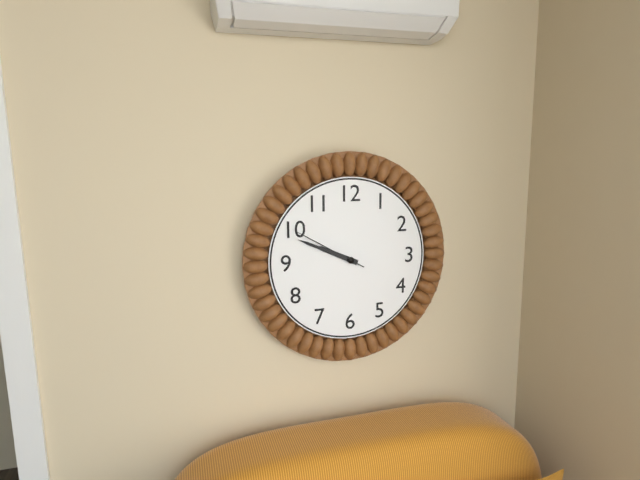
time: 9:49:50
